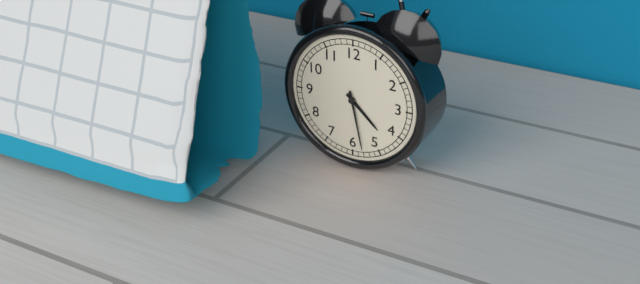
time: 4:28
